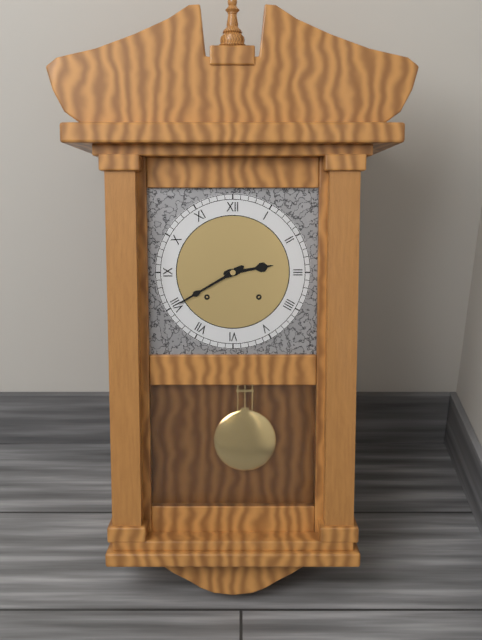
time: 2:40
